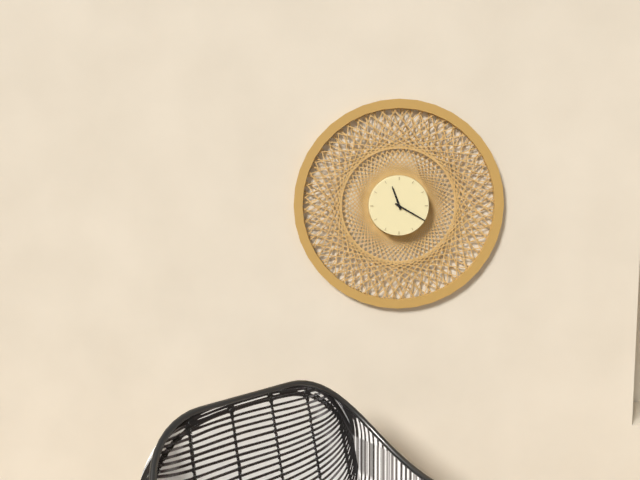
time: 11:20
